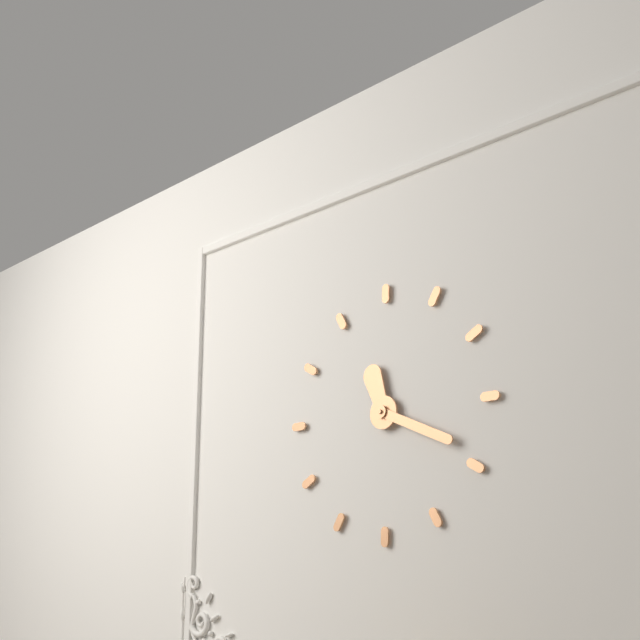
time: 11:19
